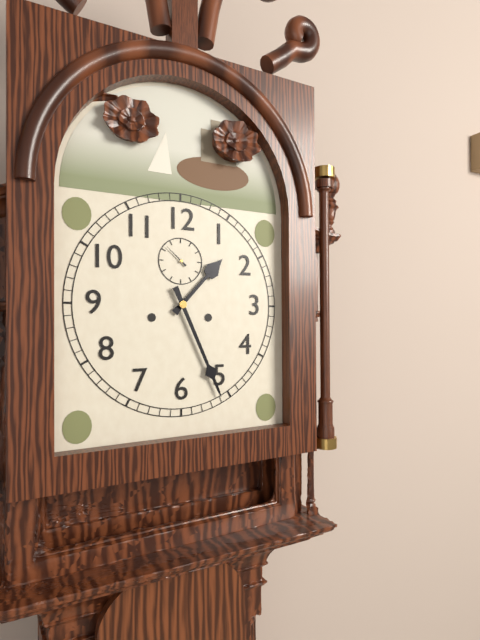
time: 1:26
